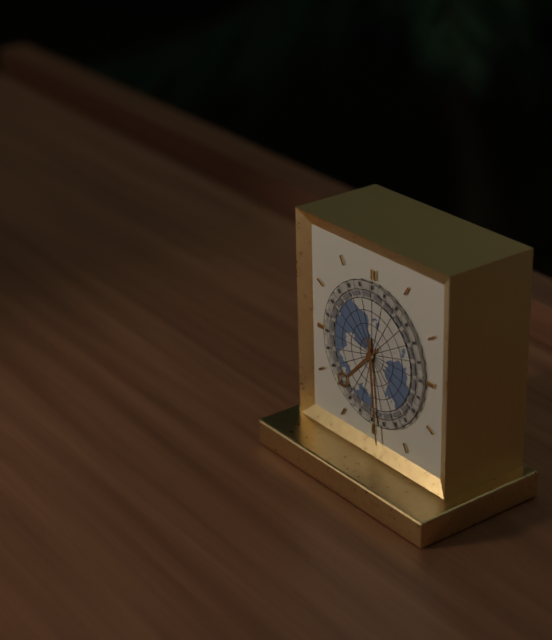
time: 7:29
